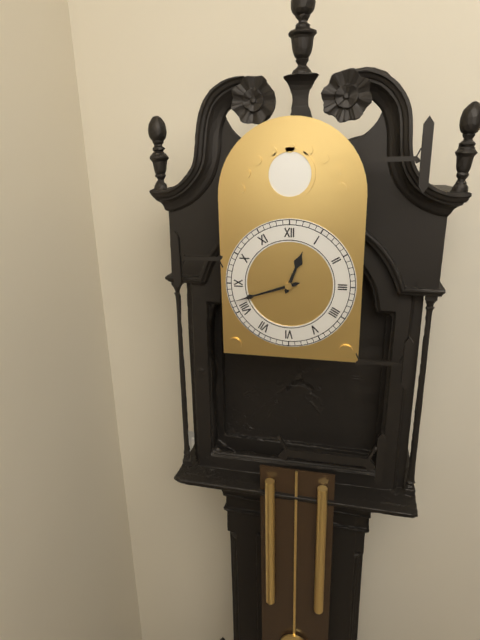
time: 12:42
